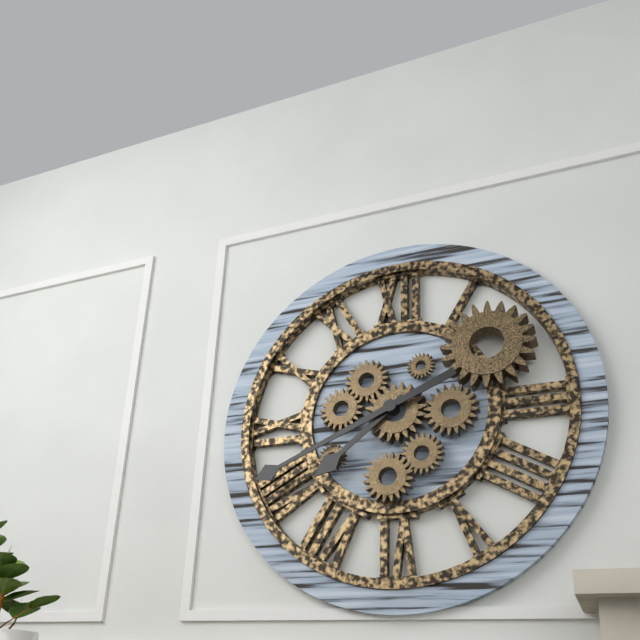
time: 7:41
